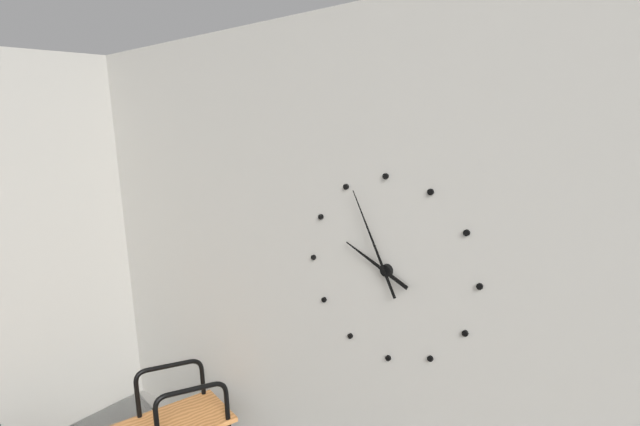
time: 9:56
